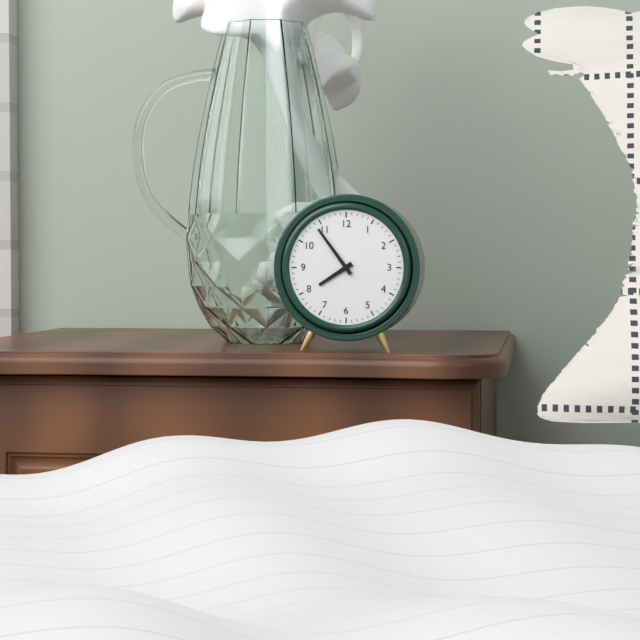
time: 7:54
